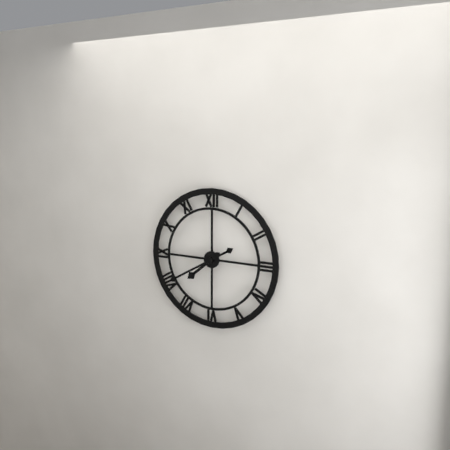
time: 7:40
